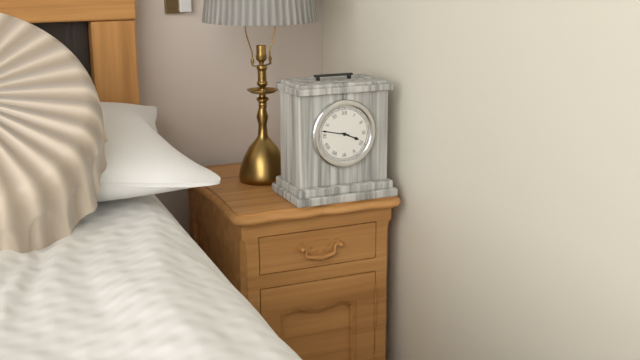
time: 3:47
